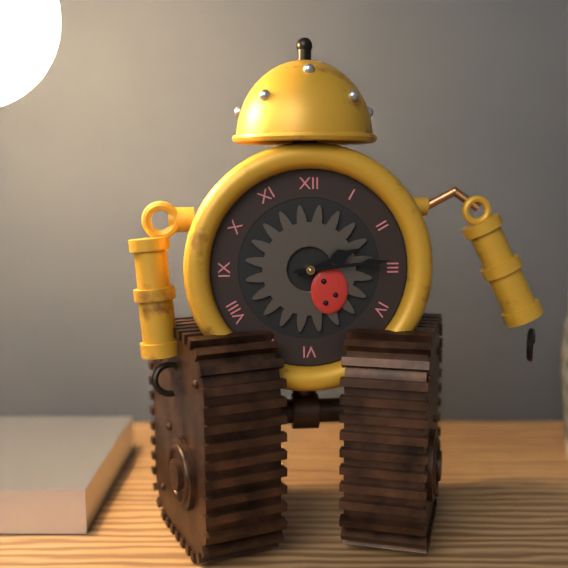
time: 2:14
